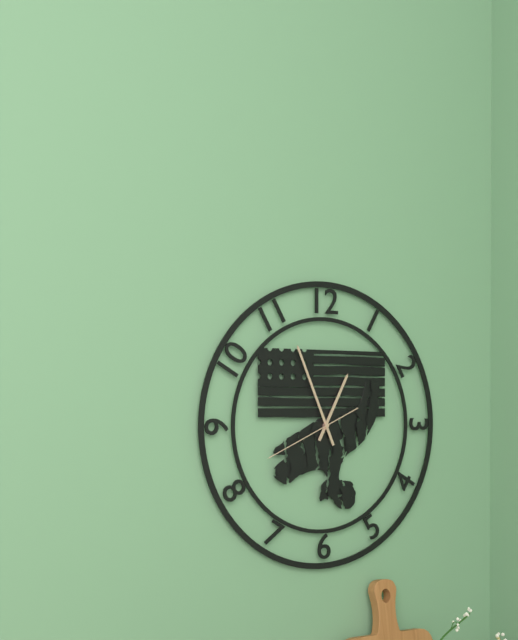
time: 12:56:41
